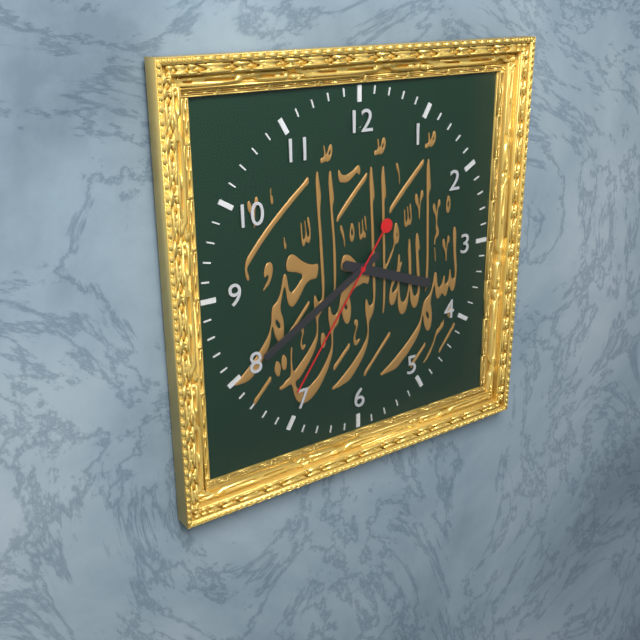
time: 3:40:36
